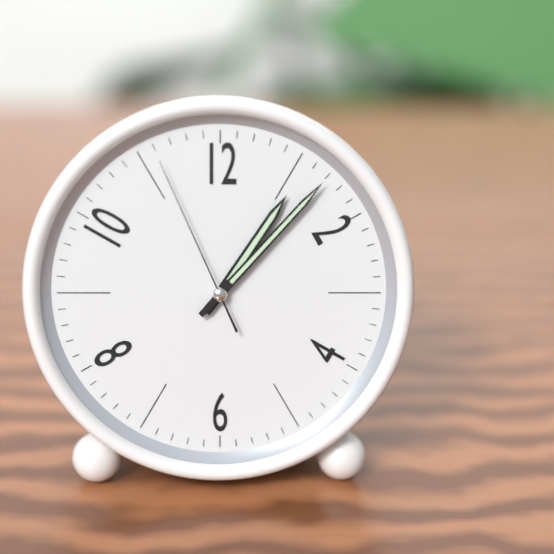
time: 1:07:56
